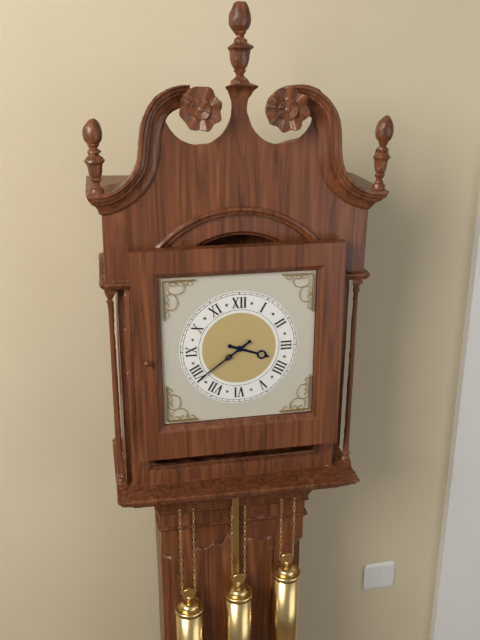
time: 3:39
